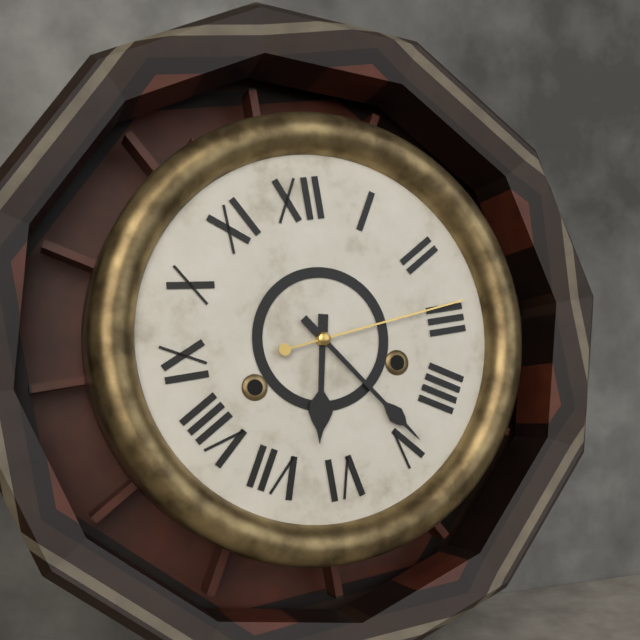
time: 6:24:14
